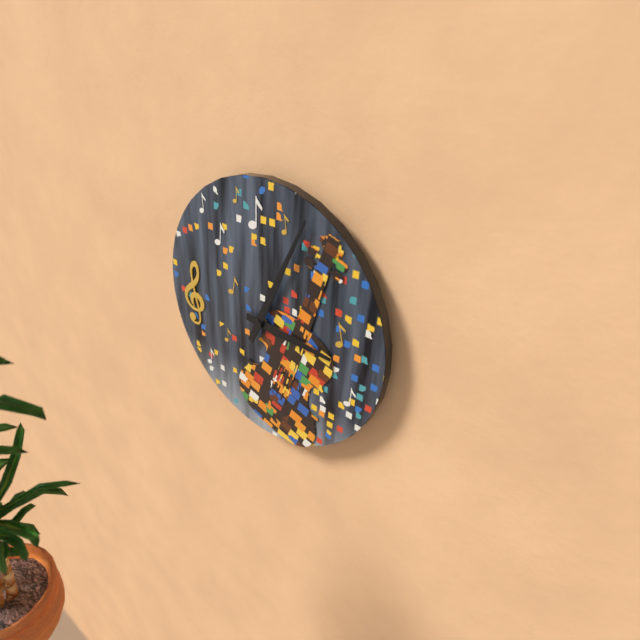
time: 3:04
